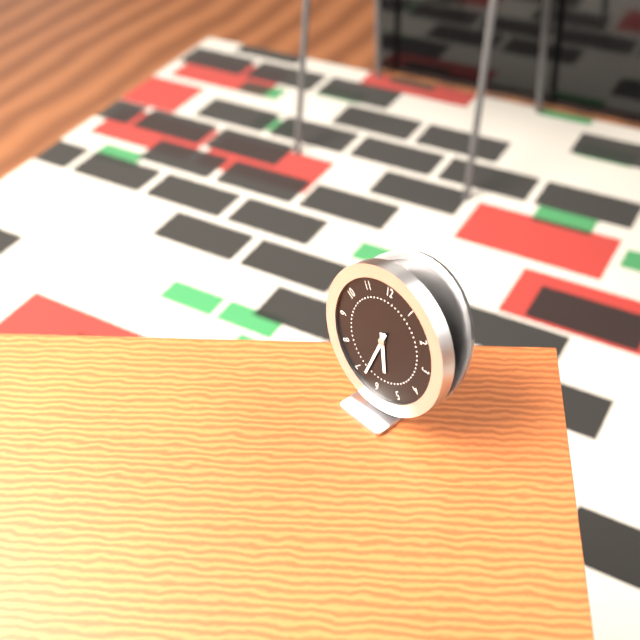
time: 5:33
